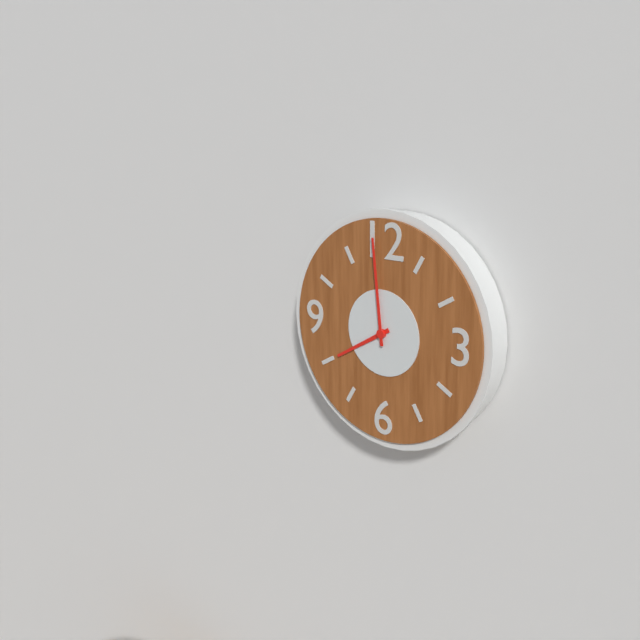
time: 7:59
